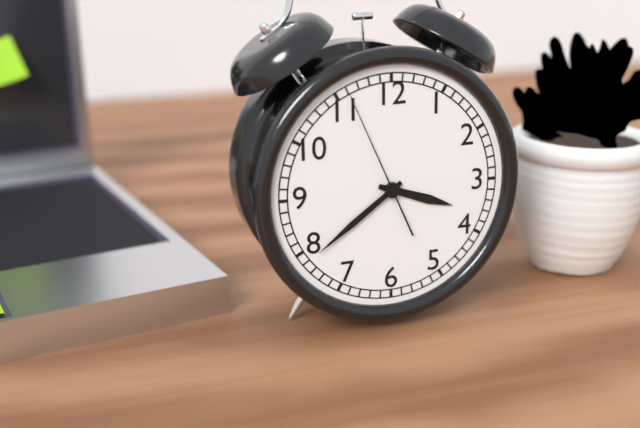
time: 3:39:56
